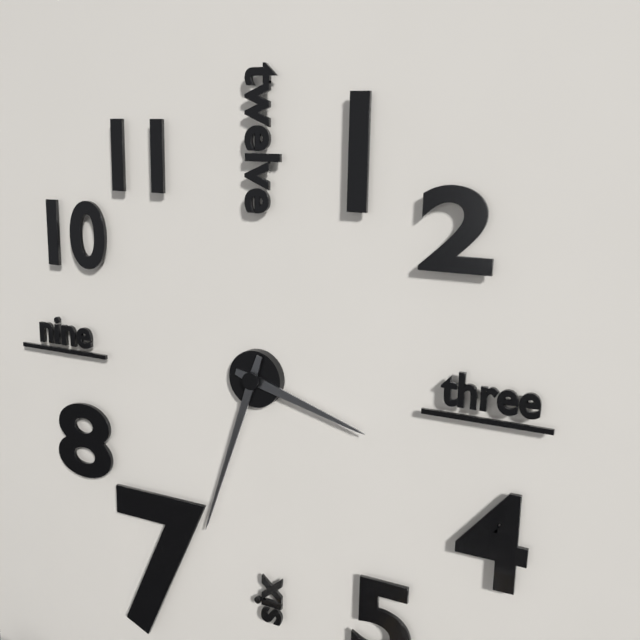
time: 3:33
